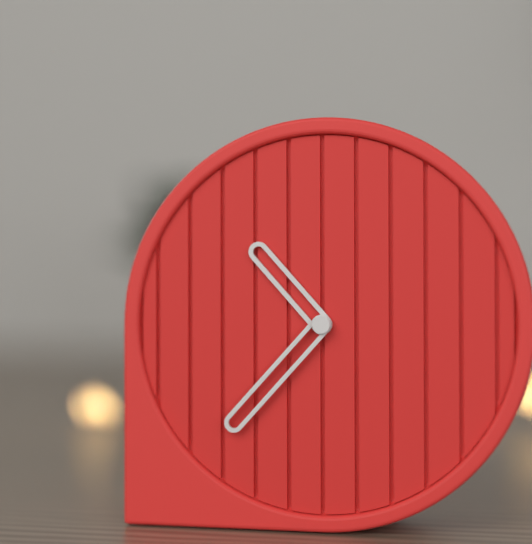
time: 10:37
